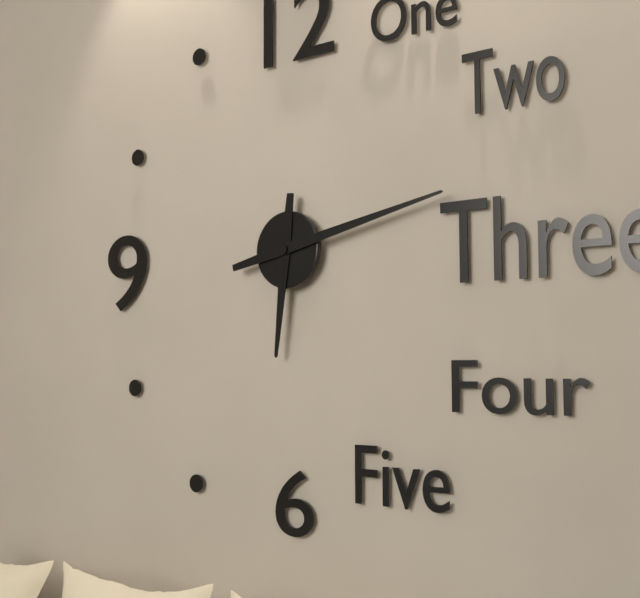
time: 6:13
